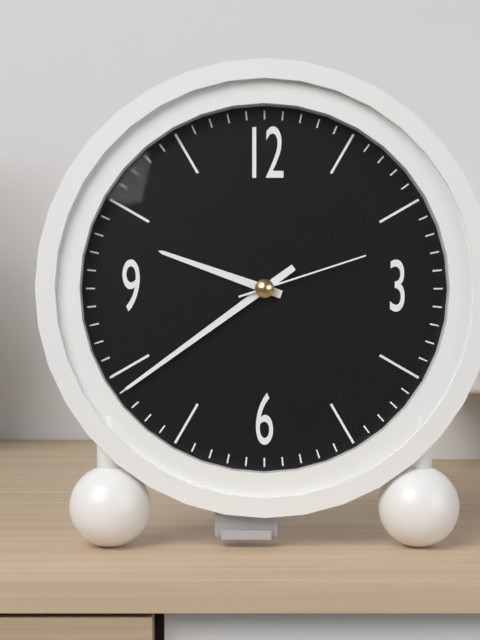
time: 9:39:12
